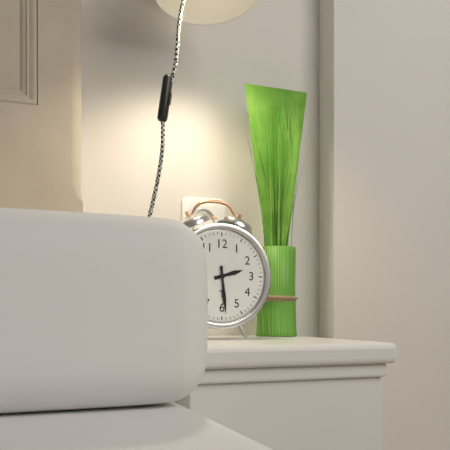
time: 2:29
